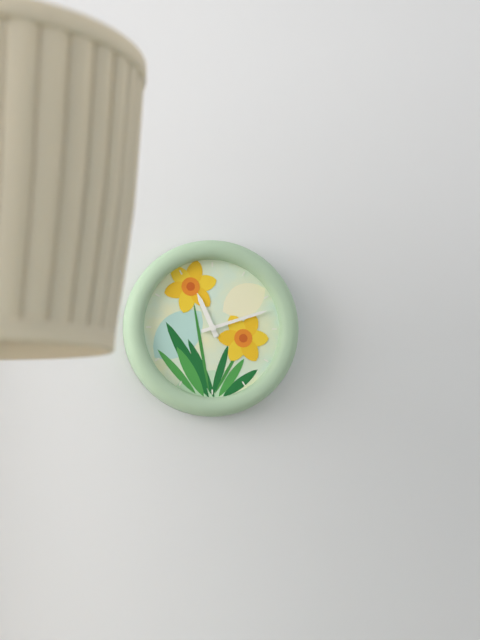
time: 11:12
